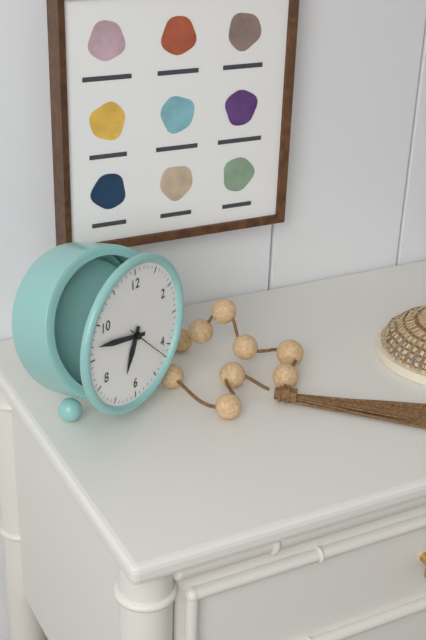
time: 6:47
